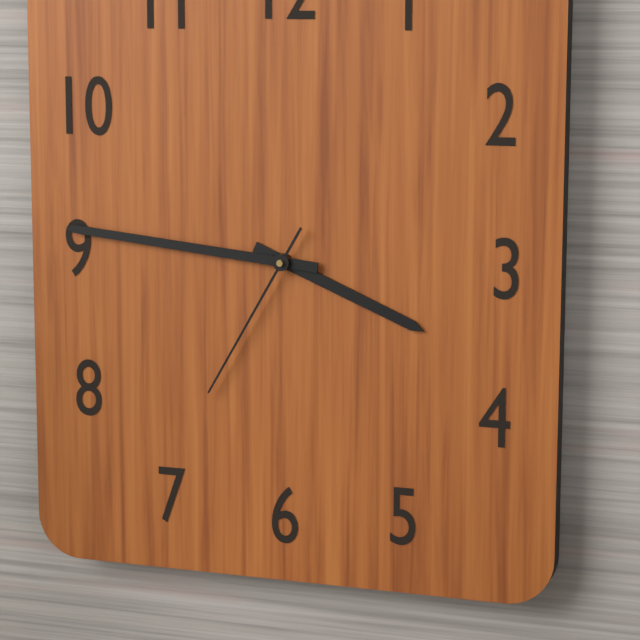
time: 3:46:35
